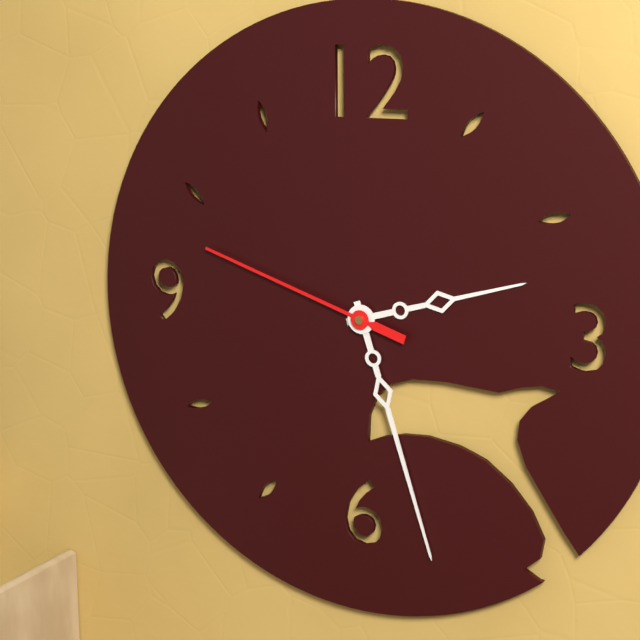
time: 2:27:48
